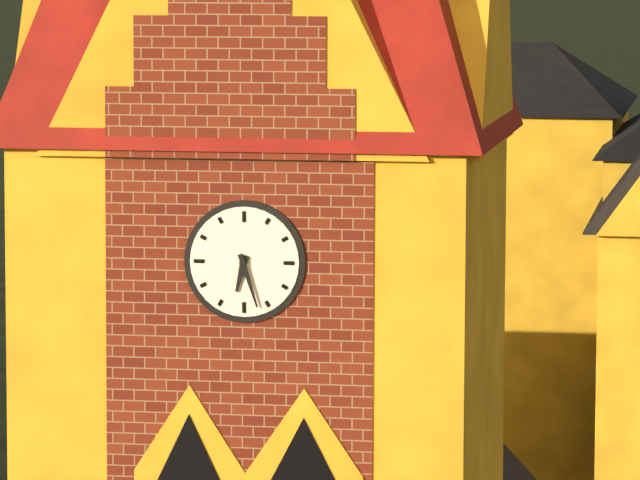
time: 6:27
